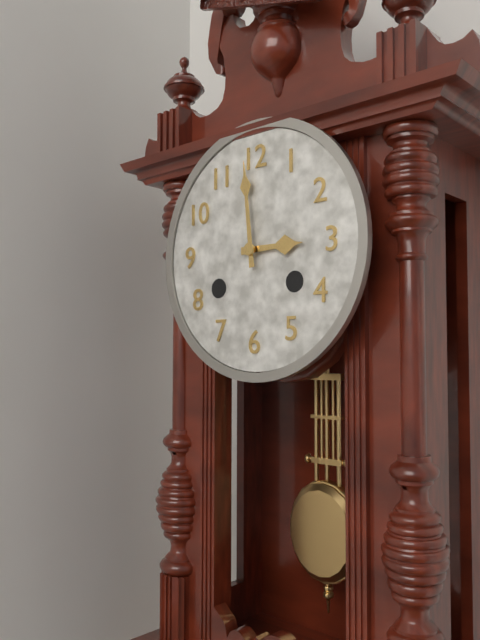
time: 2:59
